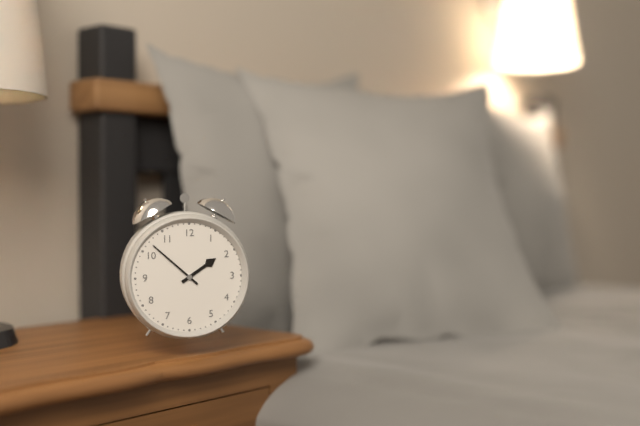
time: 1:52
